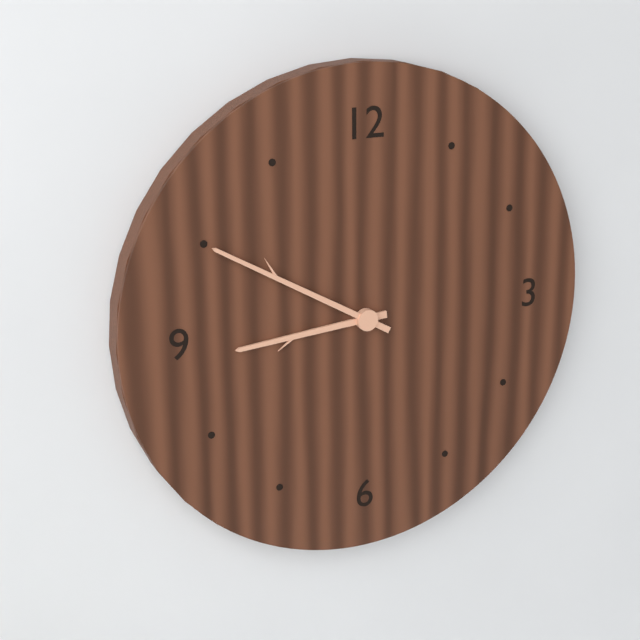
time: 8:50
